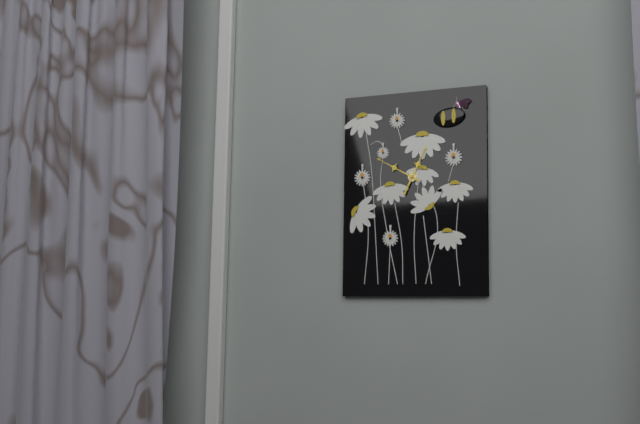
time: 12:50
